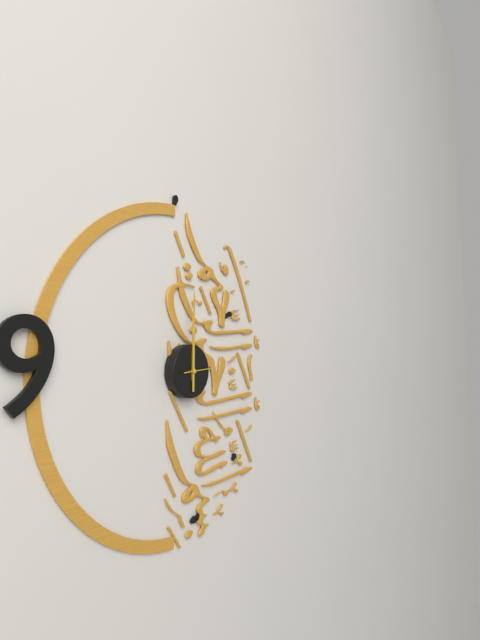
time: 12:00
